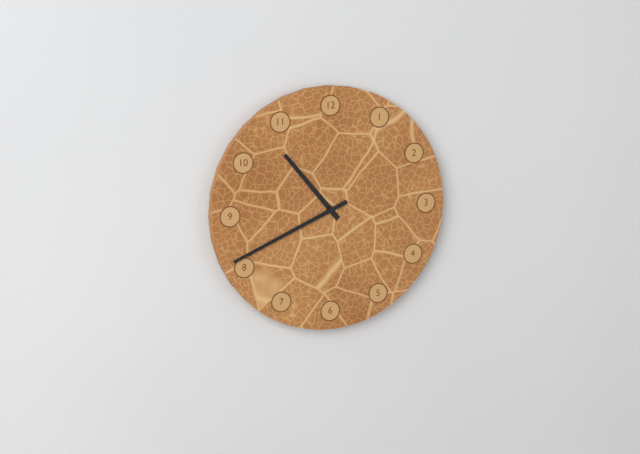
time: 10:41
